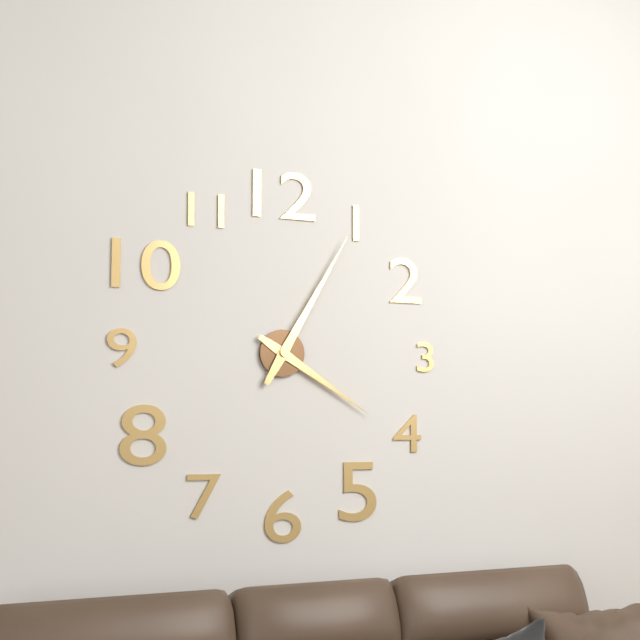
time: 4:05
